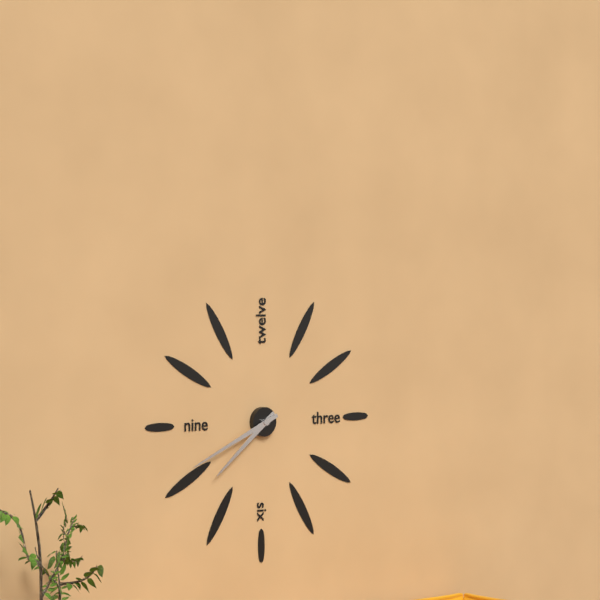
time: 7:41
